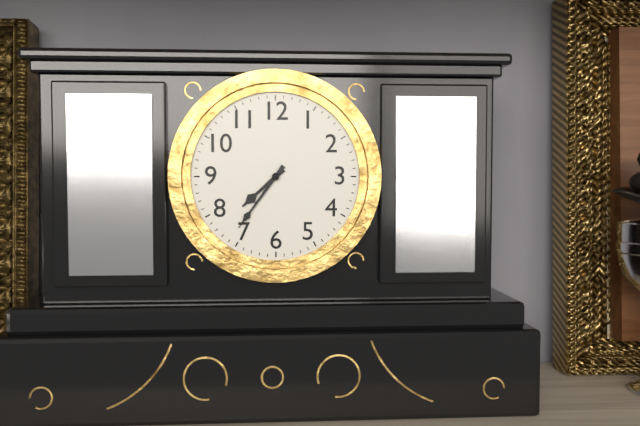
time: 7:36
